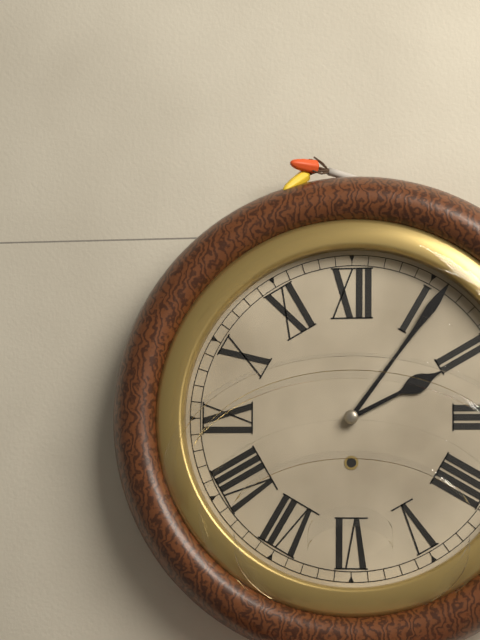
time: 2:06
